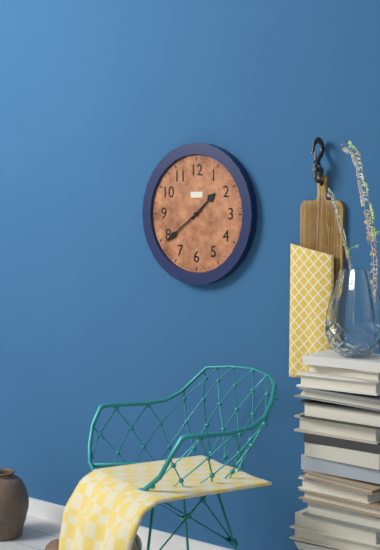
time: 1:39
